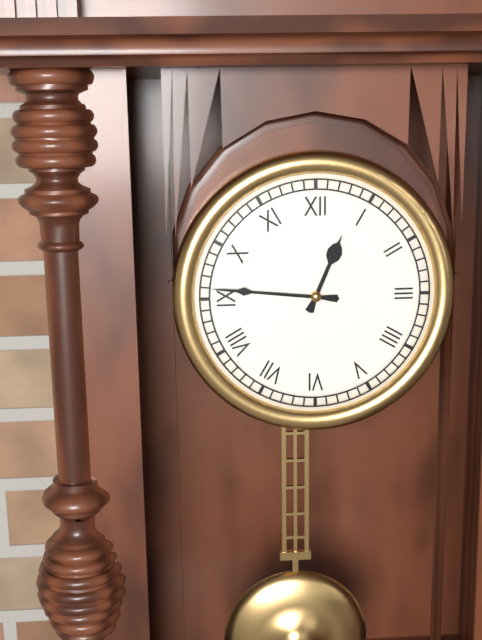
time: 12:46
